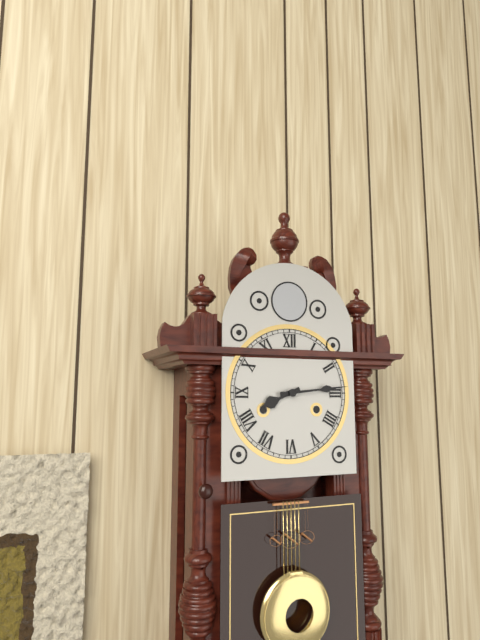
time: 8:14
